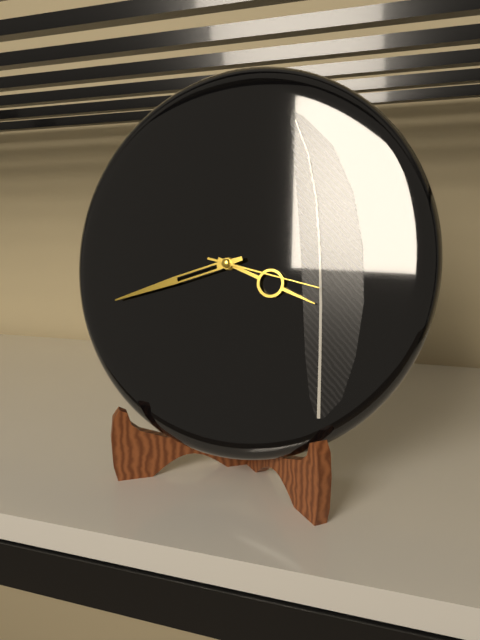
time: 3:42:17
